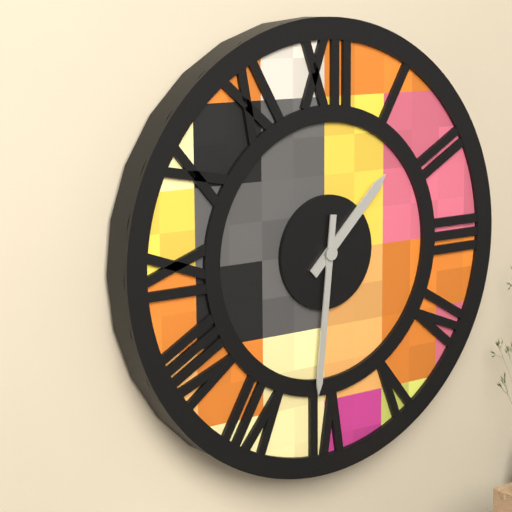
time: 1:31
